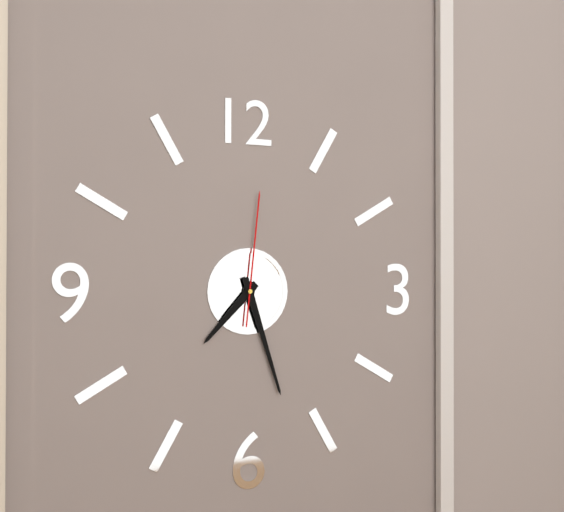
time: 7:27:01
